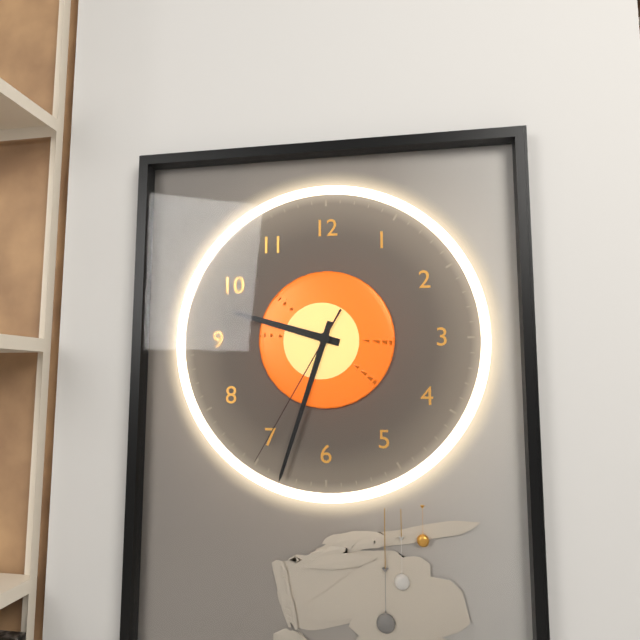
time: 9:33:35
